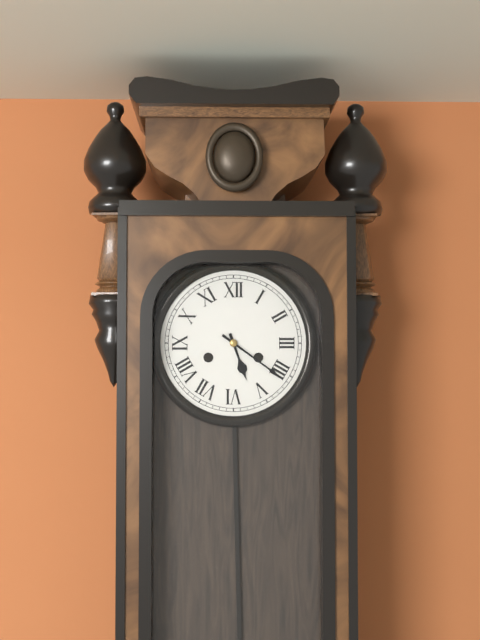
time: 5:21
